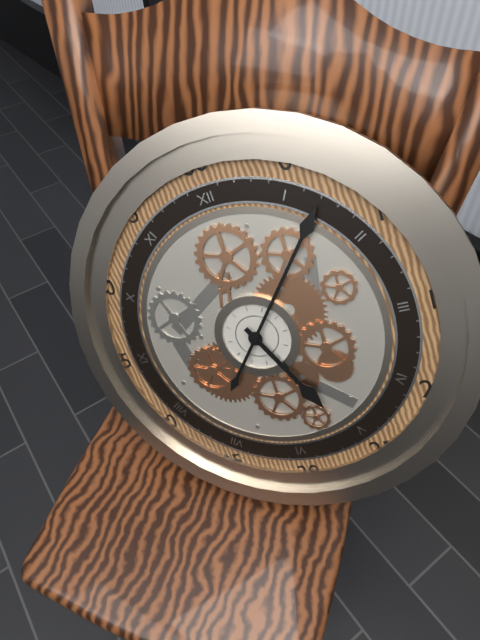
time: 5:07
